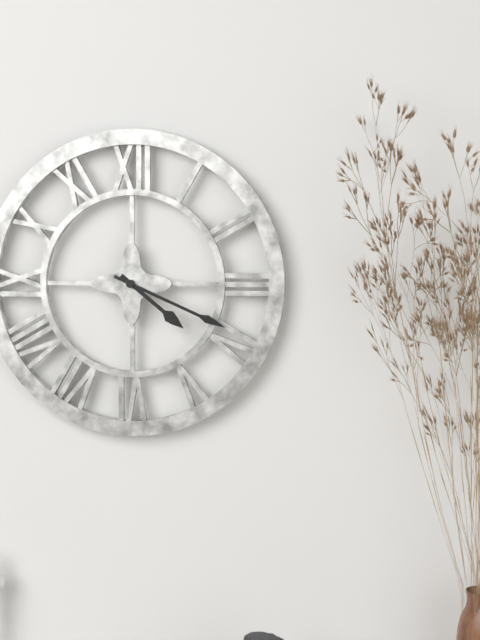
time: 4:19
